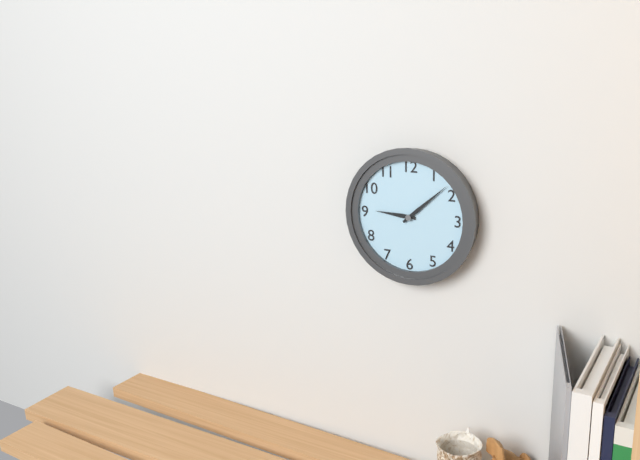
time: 9:08
